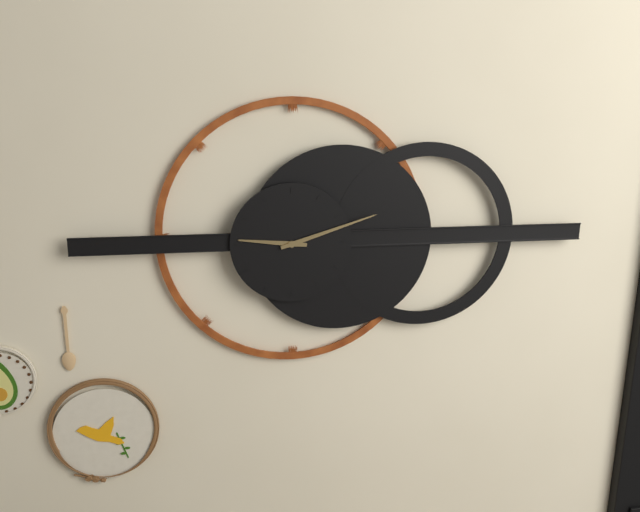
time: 9:12
